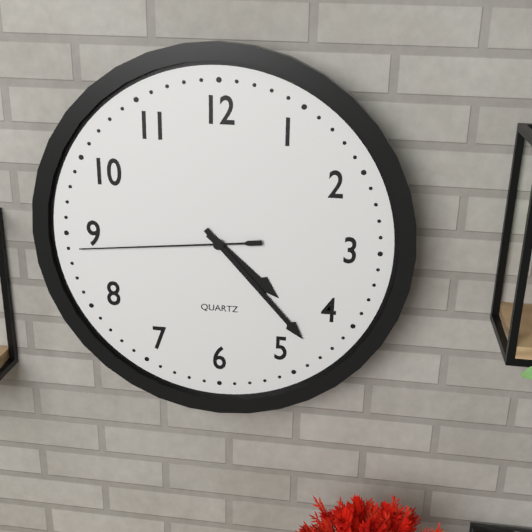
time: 4:23:44
